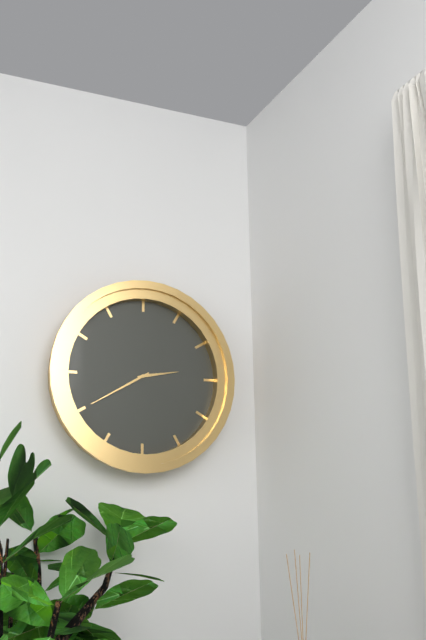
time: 2:40
